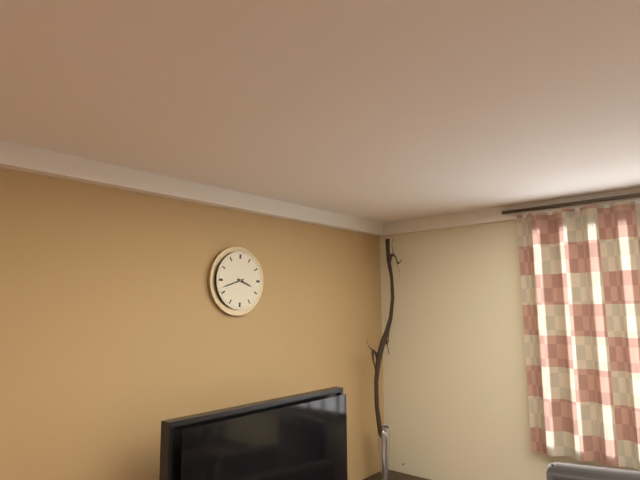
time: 3:42
